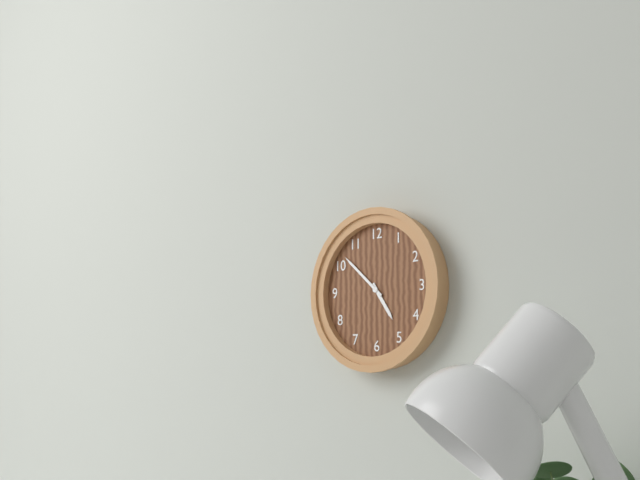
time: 4:52
